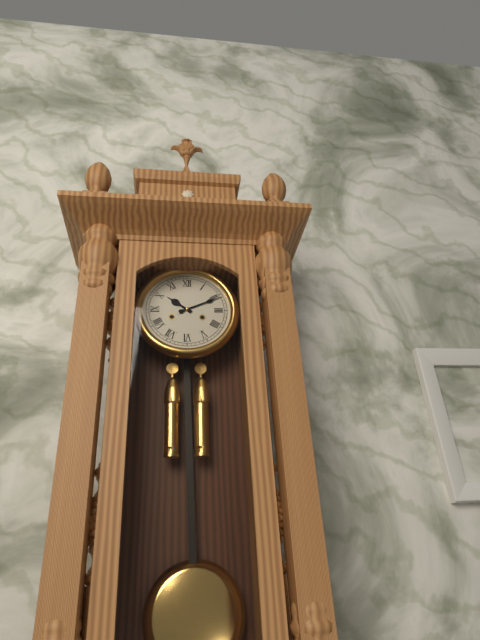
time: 10:11
